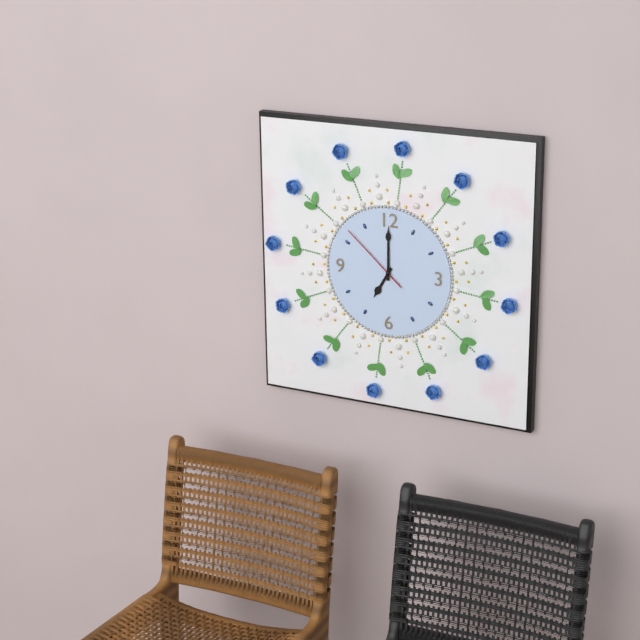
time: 7:00:52
